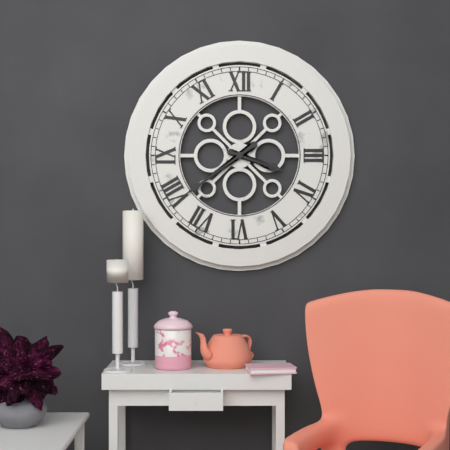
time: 3:39
